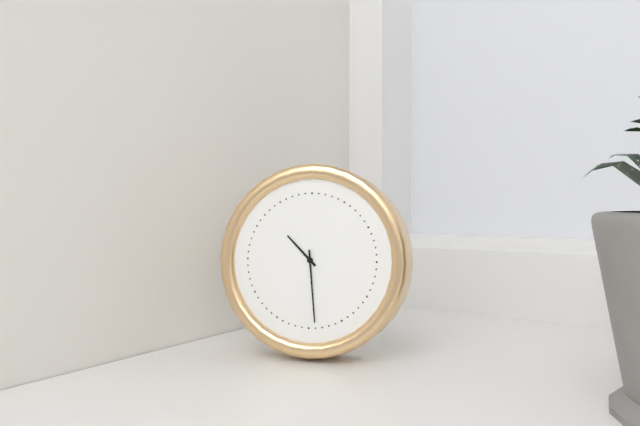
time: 10:29
